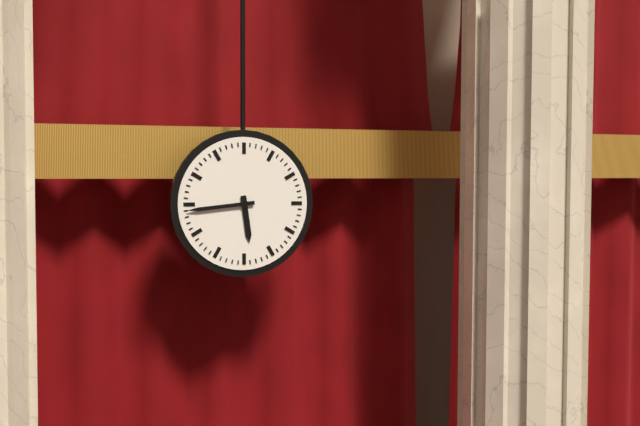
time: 5:44
